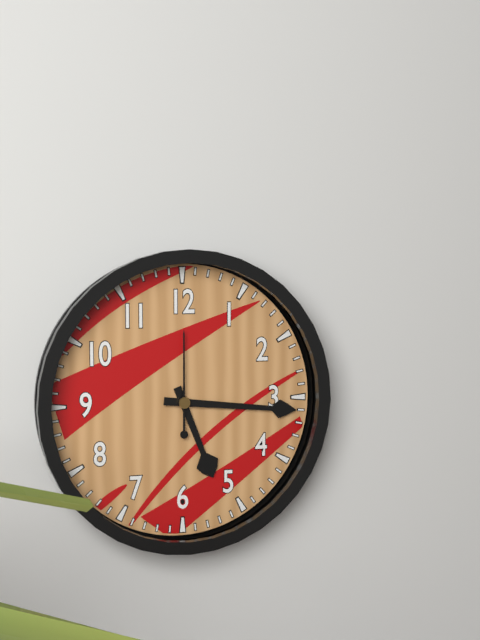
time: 5:16:00
